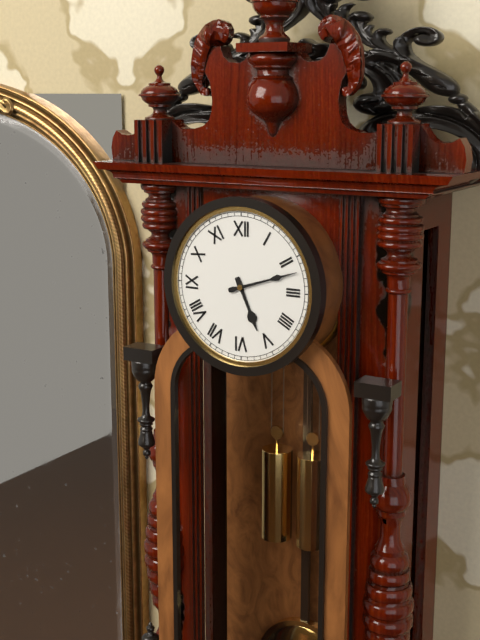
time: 5:12
